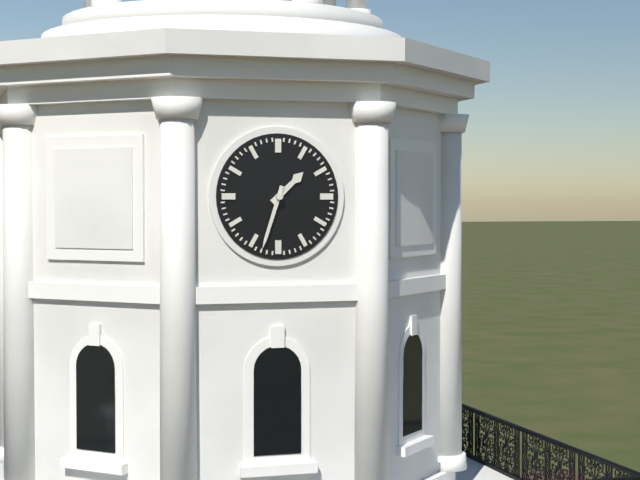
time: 1:33
